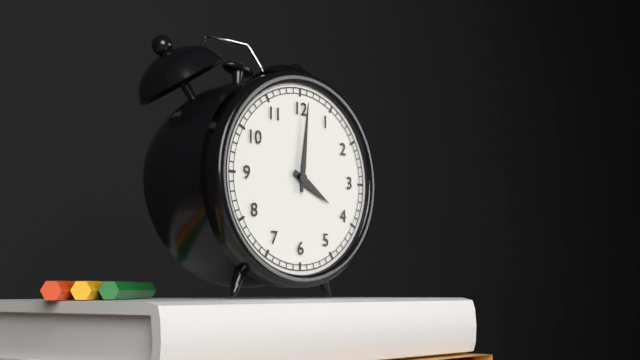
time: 4:01
